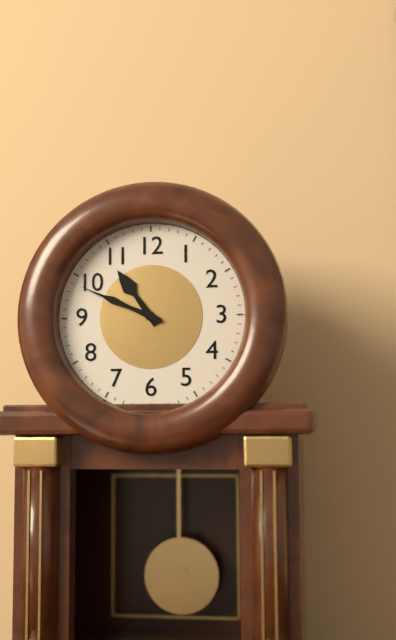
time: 10:49
